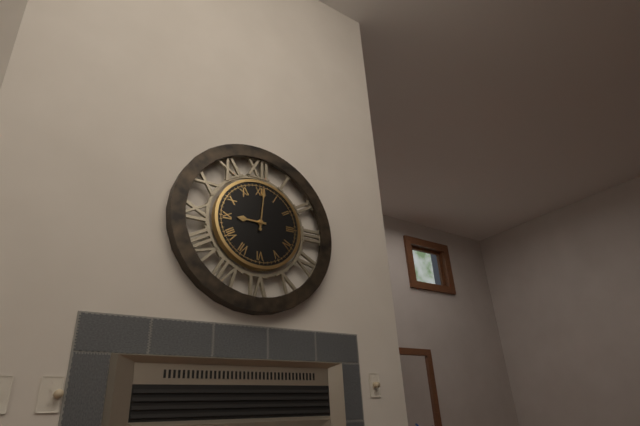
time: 9:01
